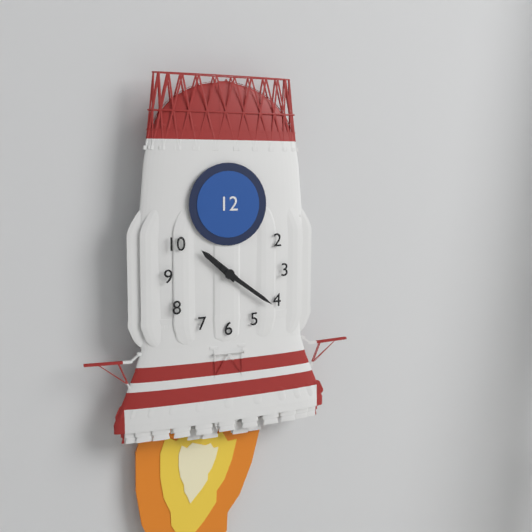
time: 10:21
